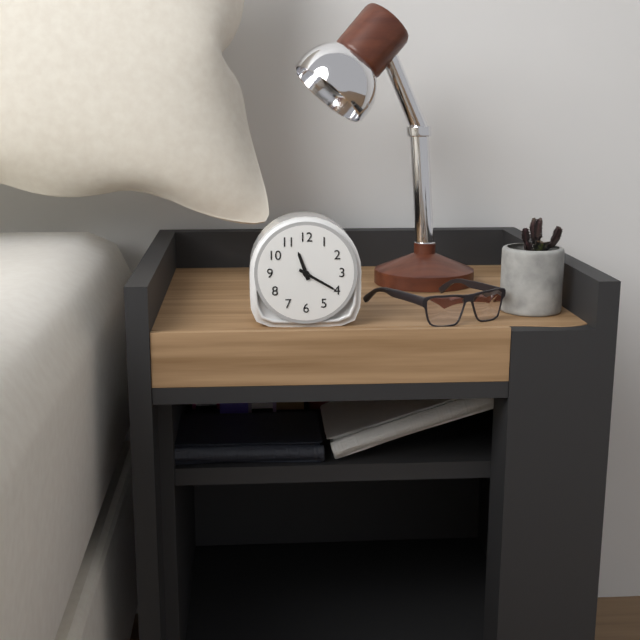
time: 11:20
